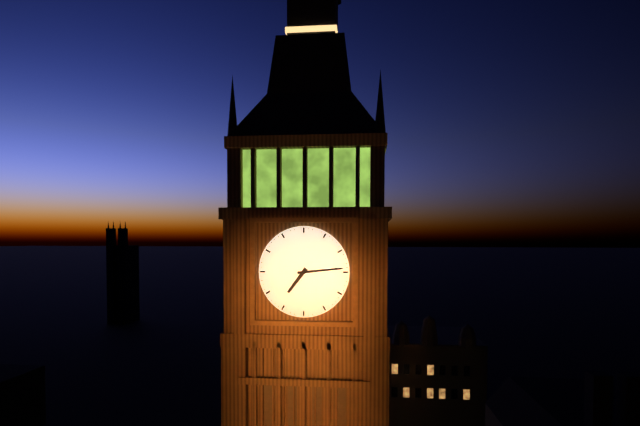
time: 7:14
